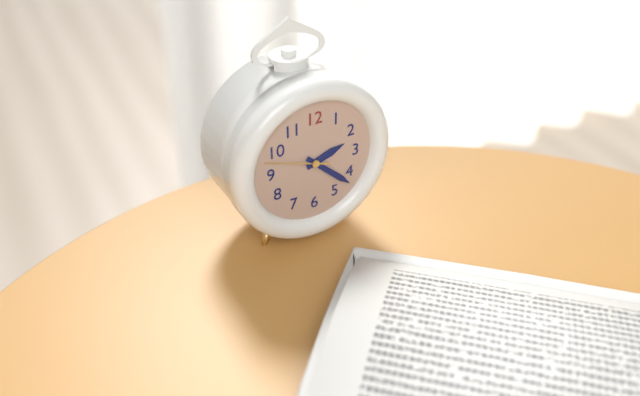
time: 2:22:48
